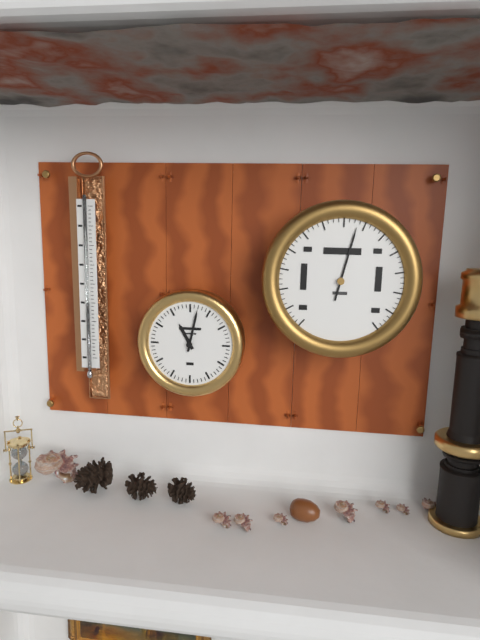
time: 11:02
